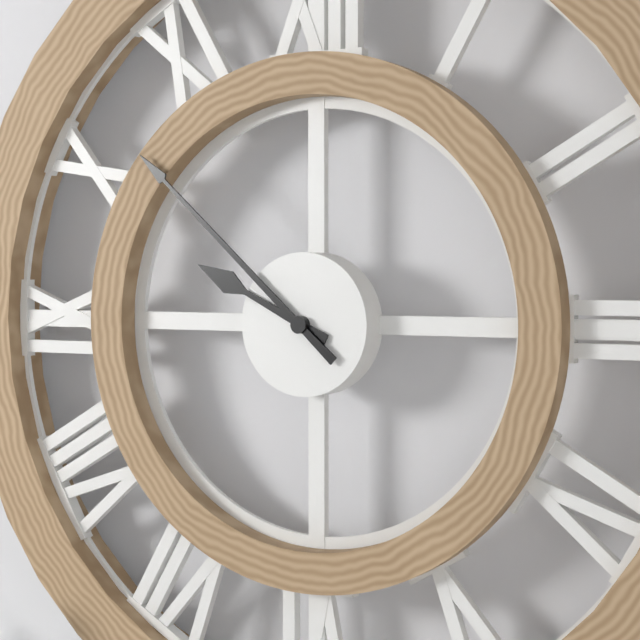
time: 9:52
